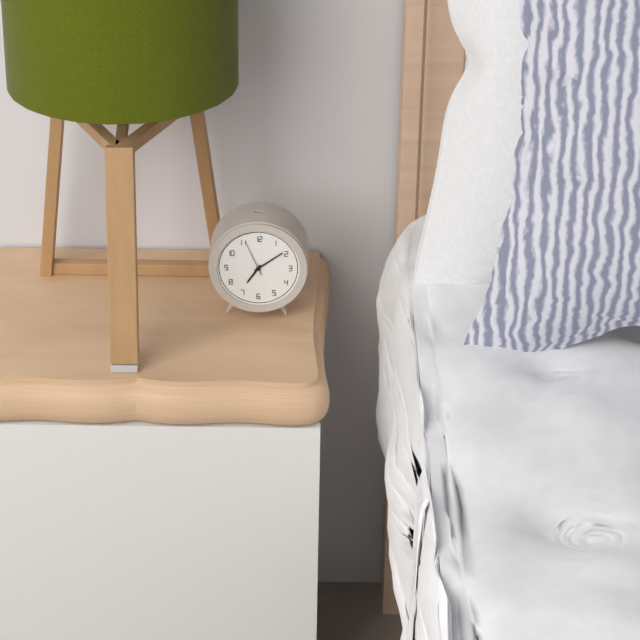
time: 7:09
